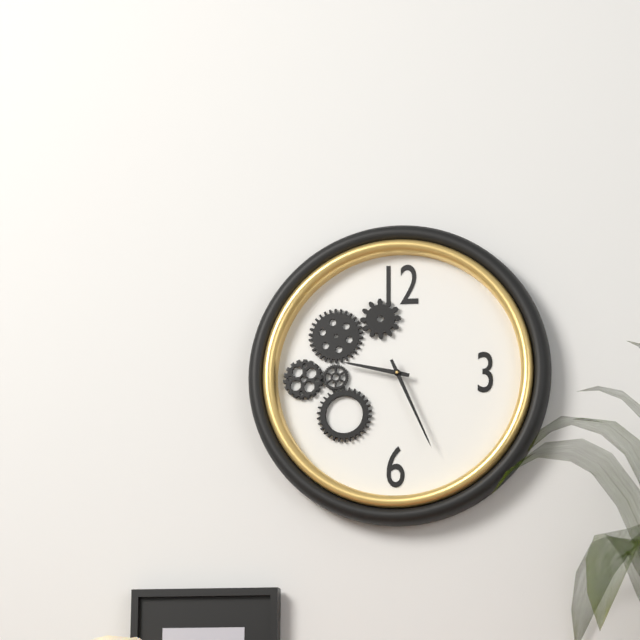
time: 9:26
